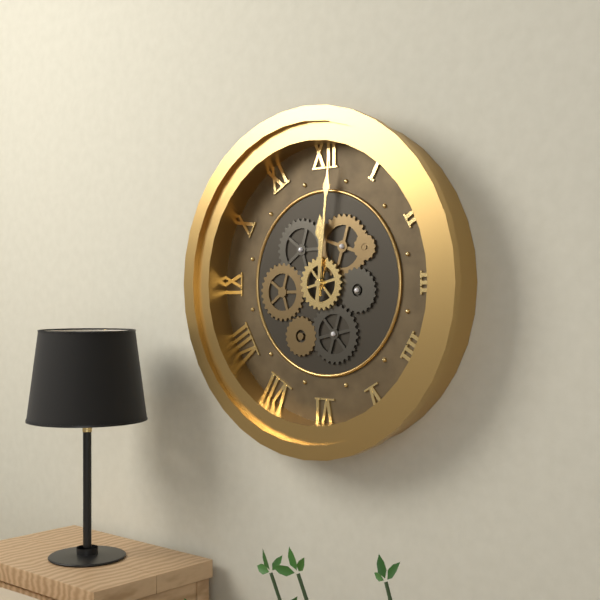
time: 12:01
